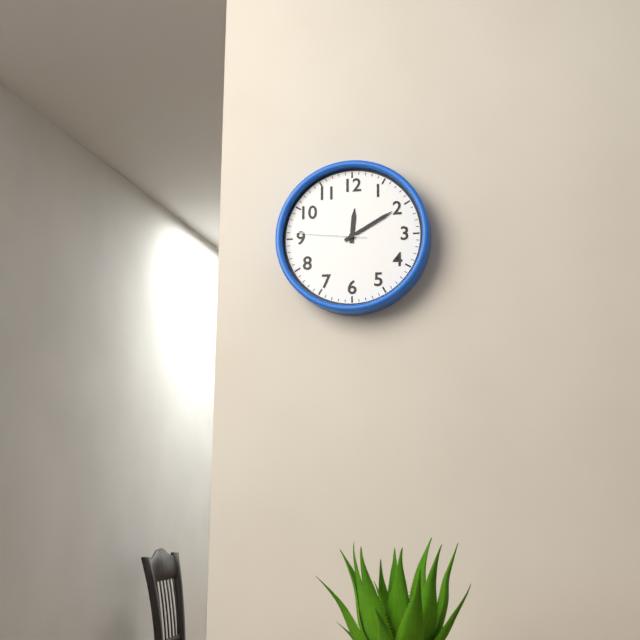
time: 12:10:46
